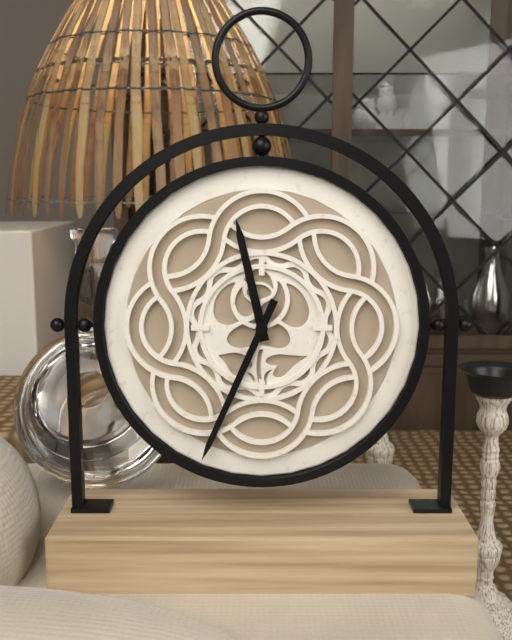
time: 11:34
